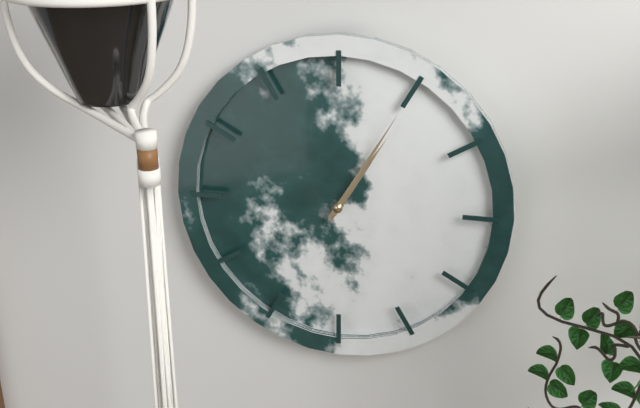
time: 1:05
